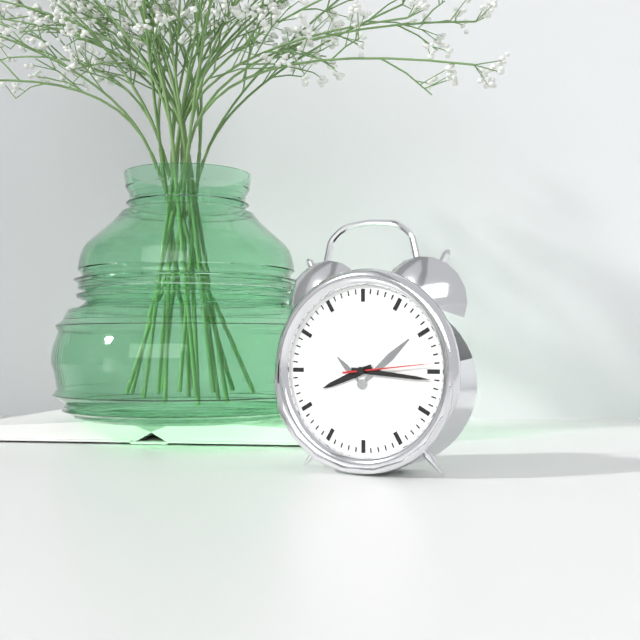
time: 8:16:14
